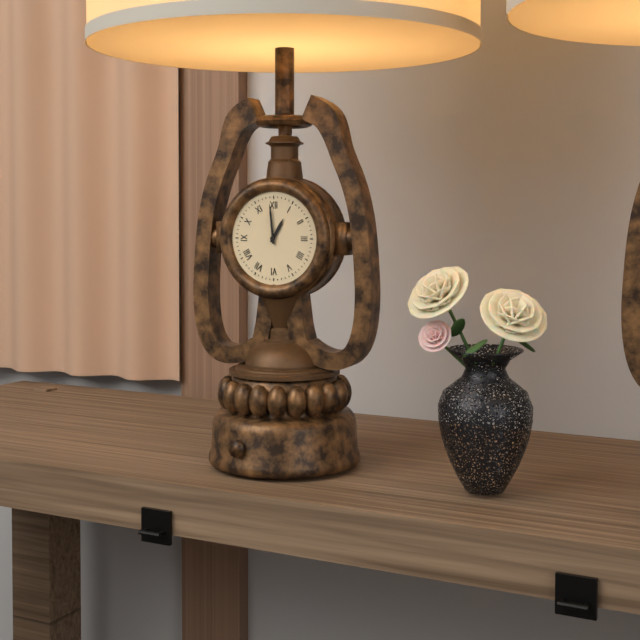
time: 12:59
